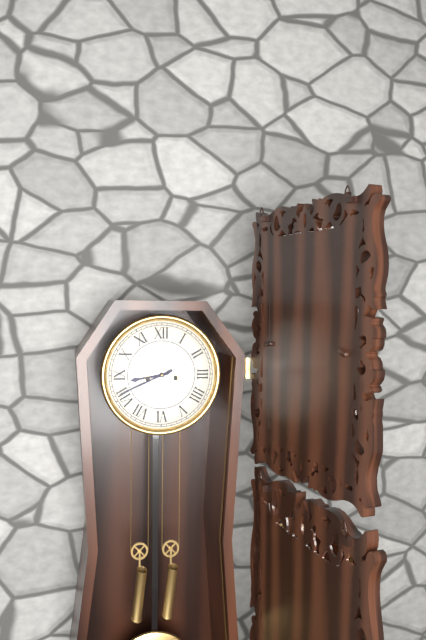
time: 8:41
